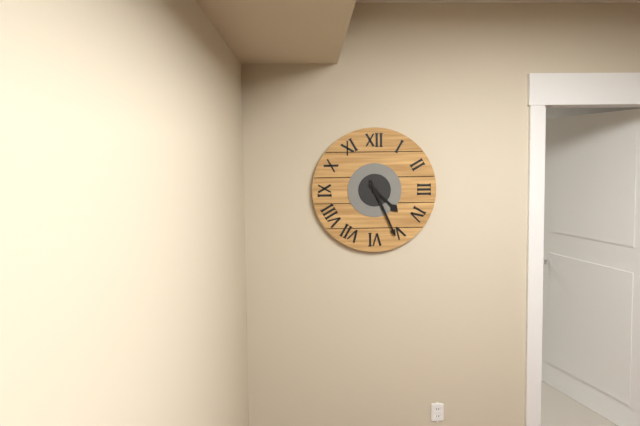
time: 4:26
